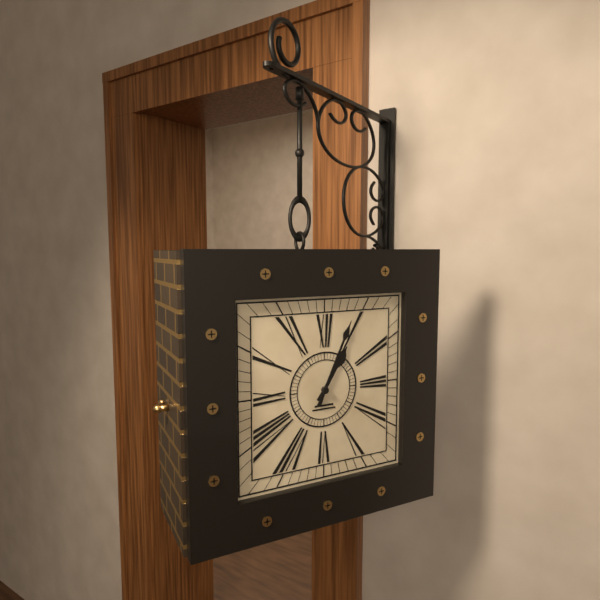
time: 1:04
